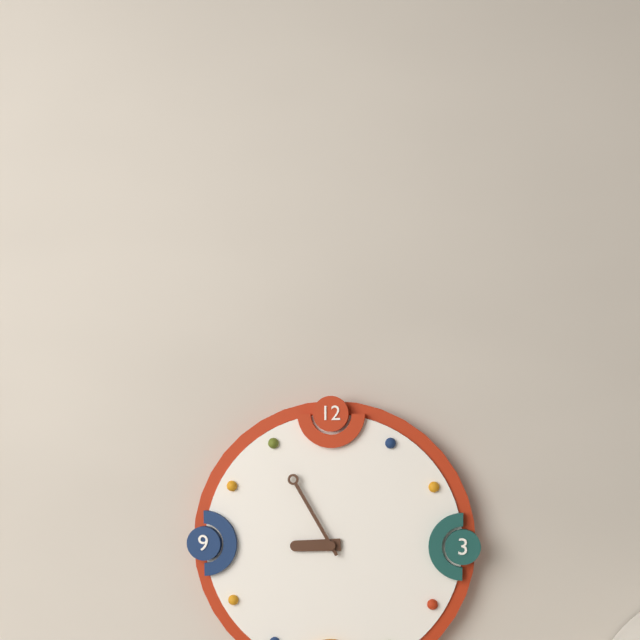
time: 8:55
